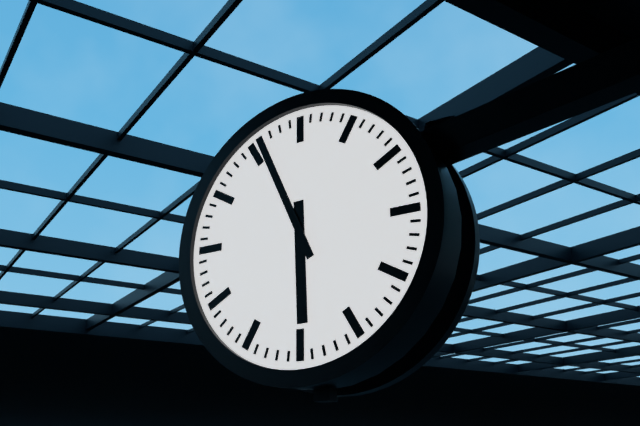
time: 5:56
